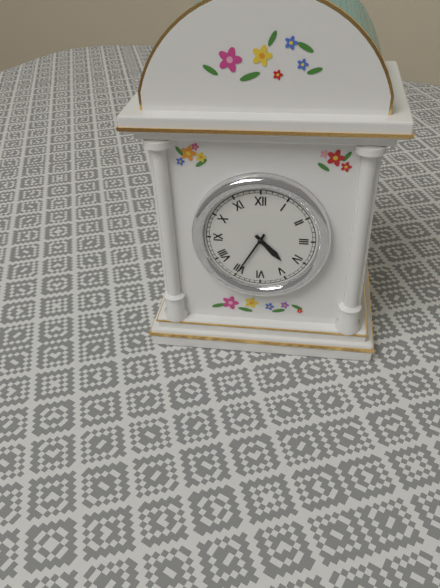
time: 4:35
